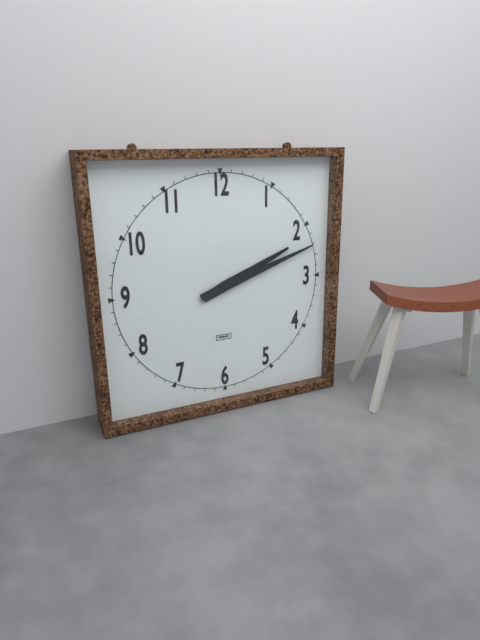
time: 2:12
